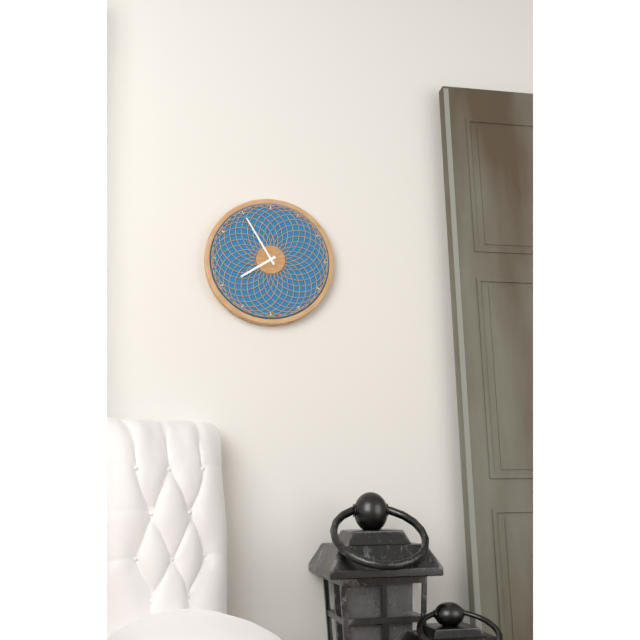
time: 7:55
